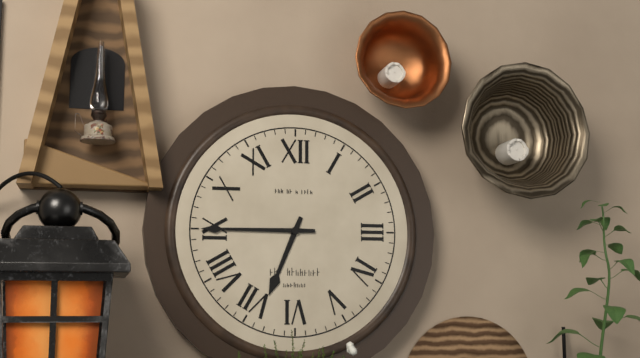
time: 6:45
